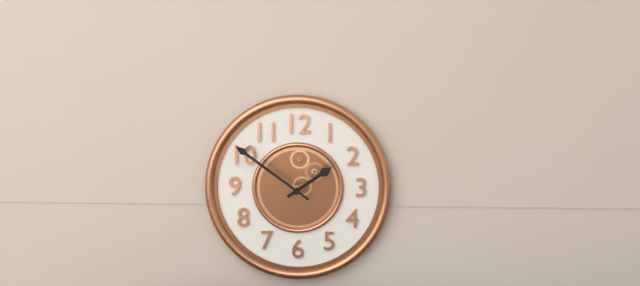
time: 1:51
